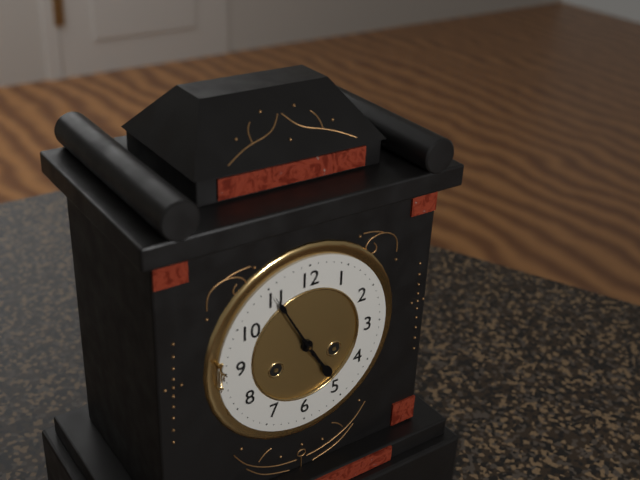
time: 4:55
